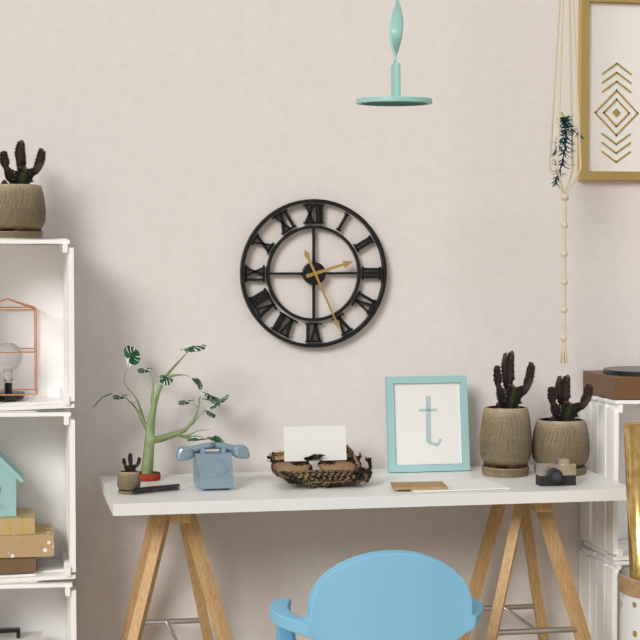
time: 2:26
